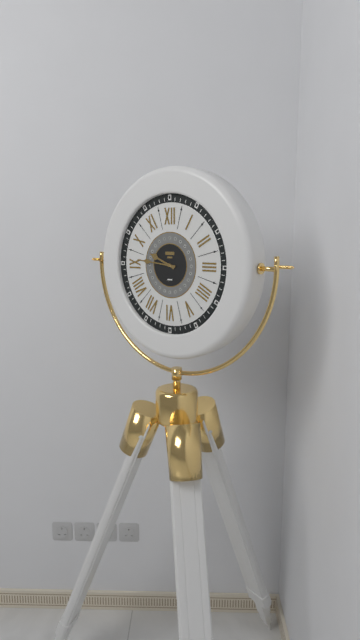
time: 9:46
